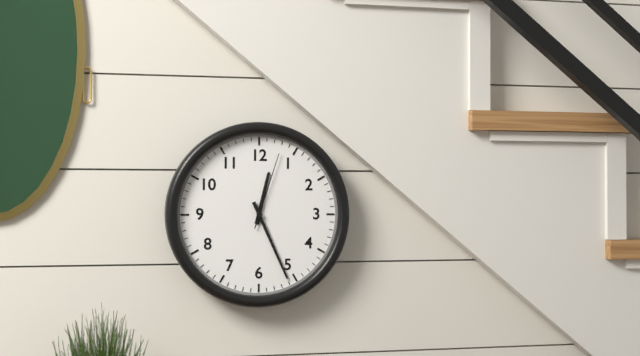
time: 12:26:03
